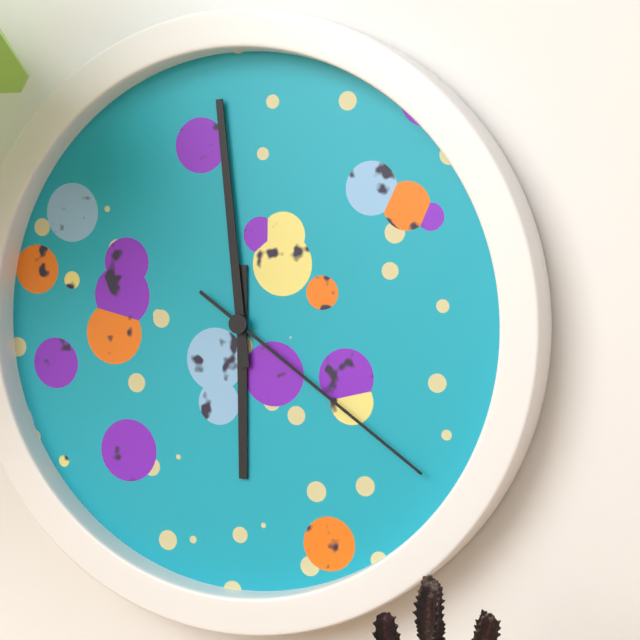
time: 5:59:21
